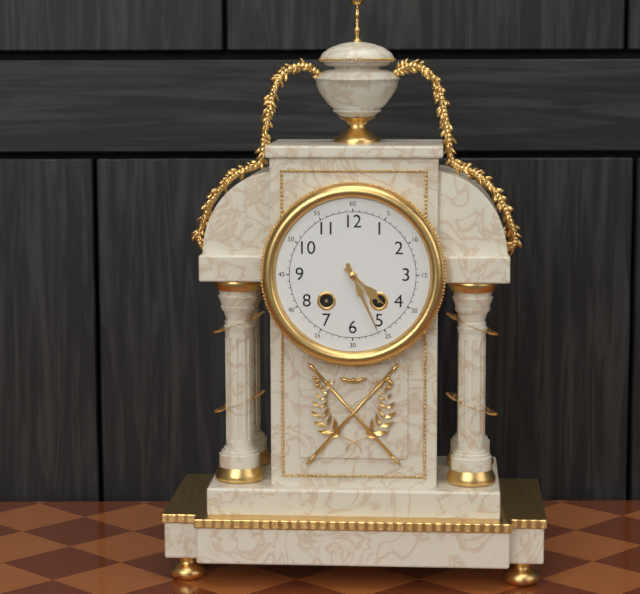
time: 4:26
